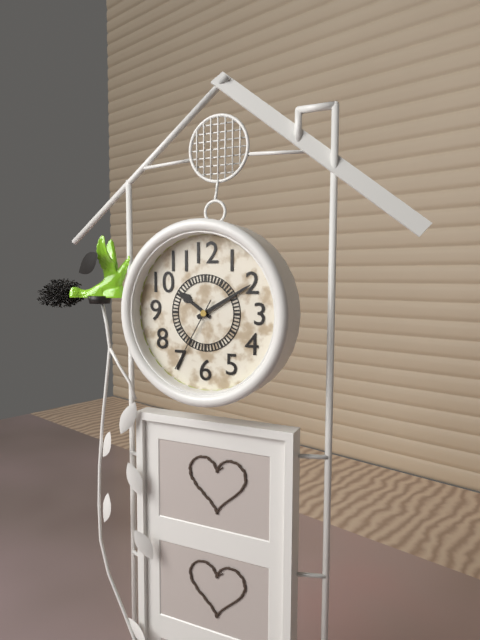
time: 10:10:35
